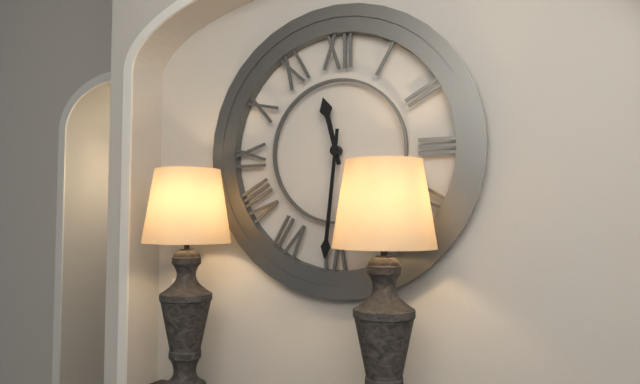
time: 11:31
